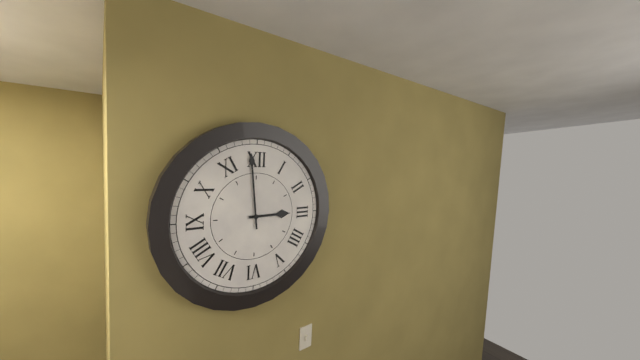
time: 2:59
